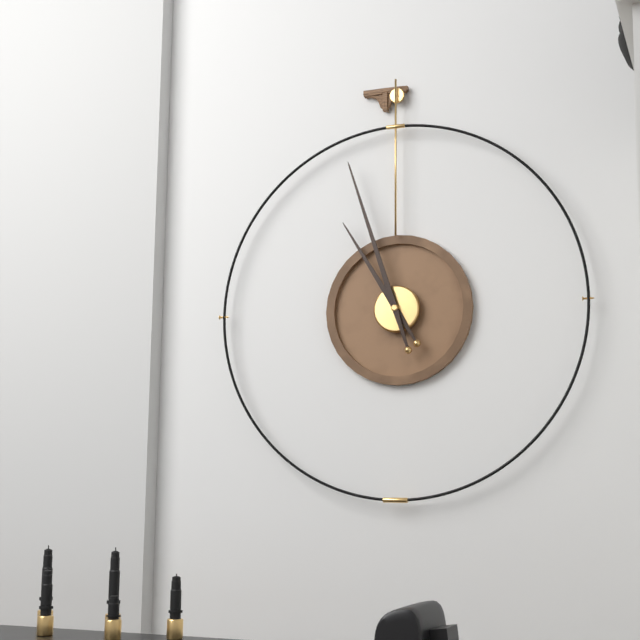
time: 10:57
